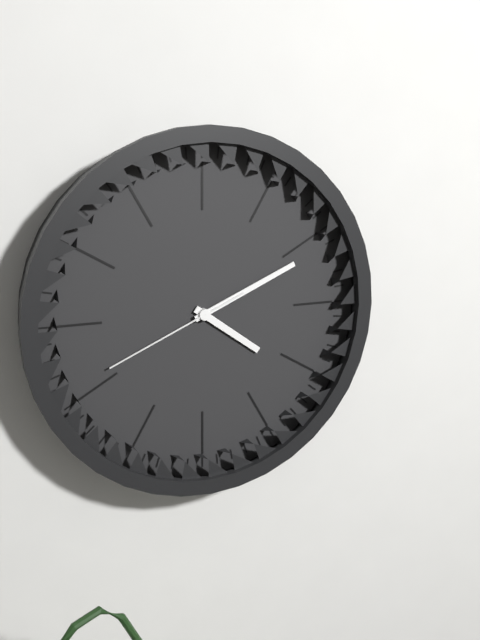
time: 4:11:41
